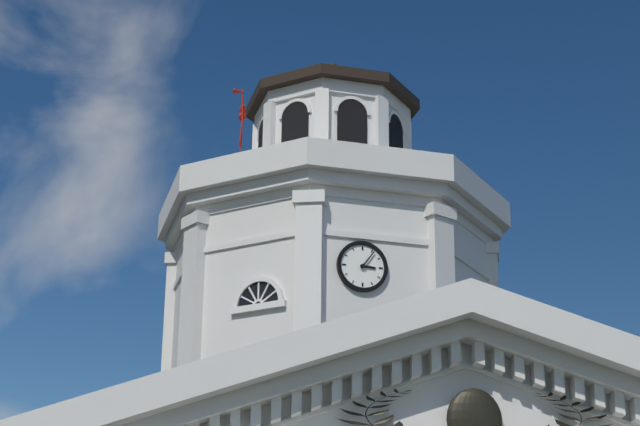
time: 3:06
